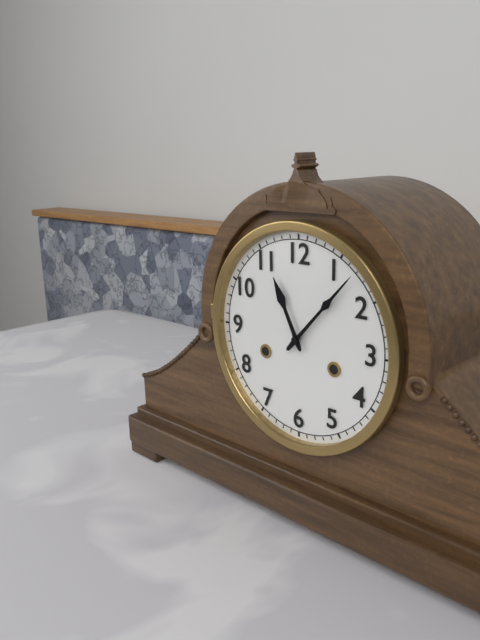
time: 11:07
